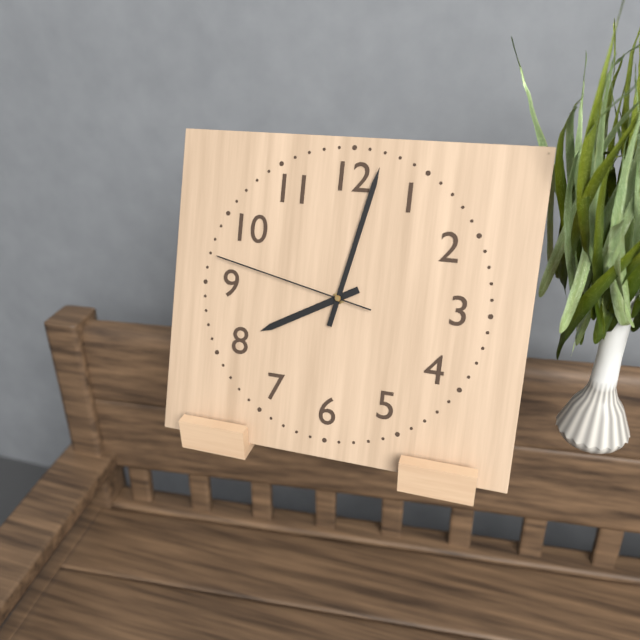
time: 8:02:47
